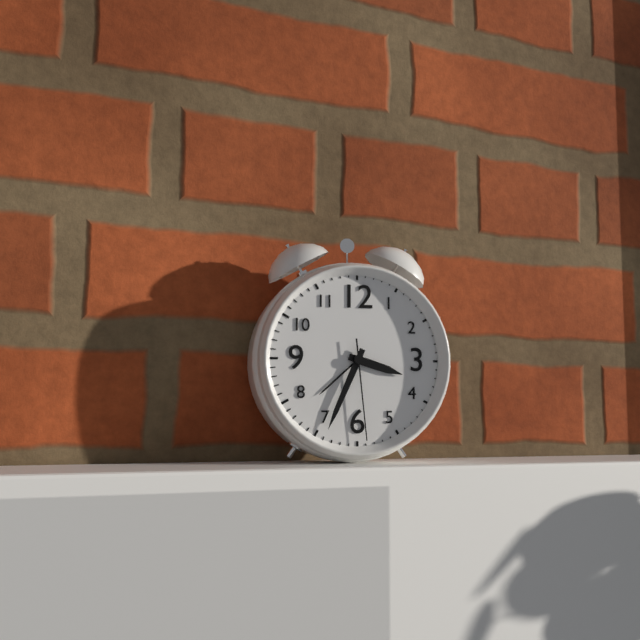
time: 3:34:29
